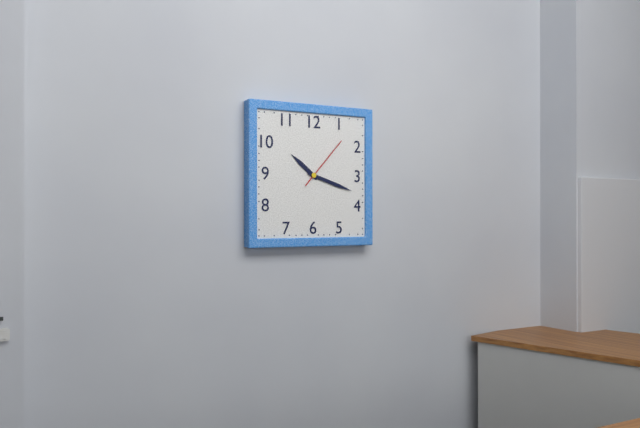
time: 10:18:07
